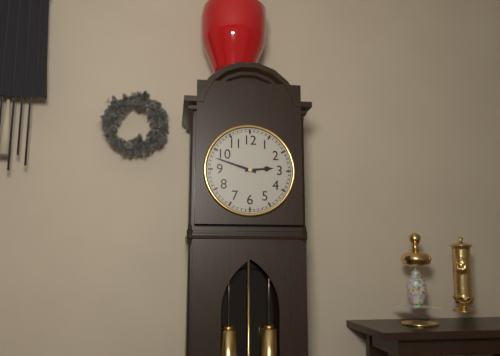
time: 2:48
